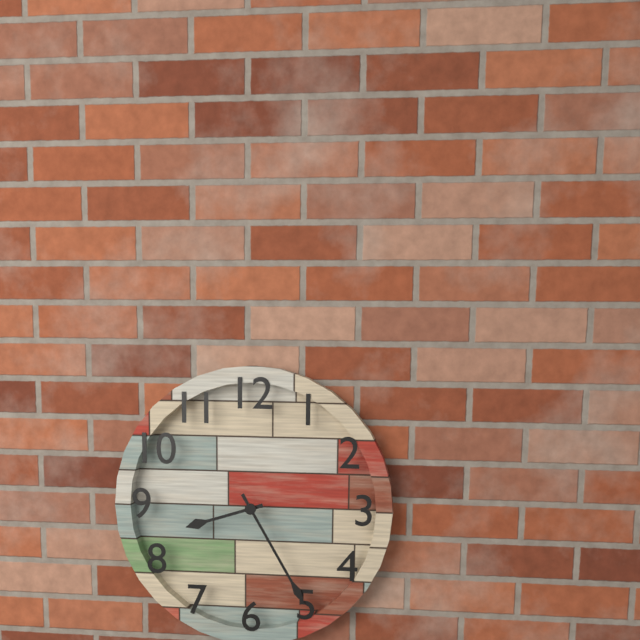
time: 8:25
